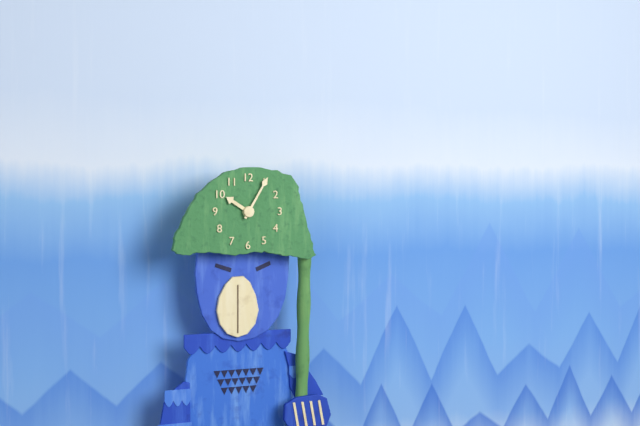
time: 10:05
